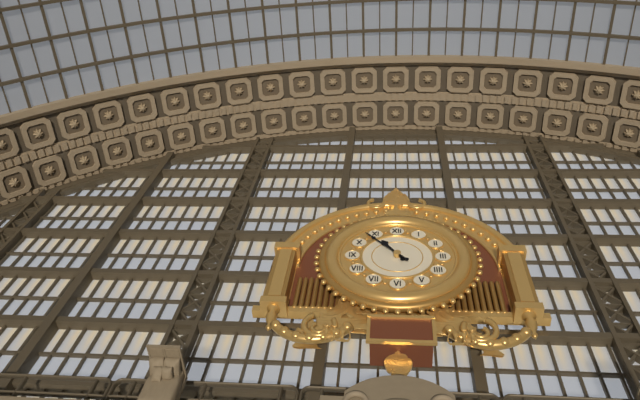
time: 10:53
